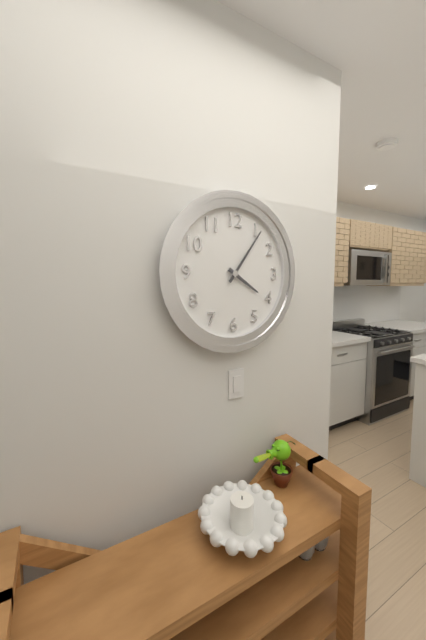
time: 4:06
